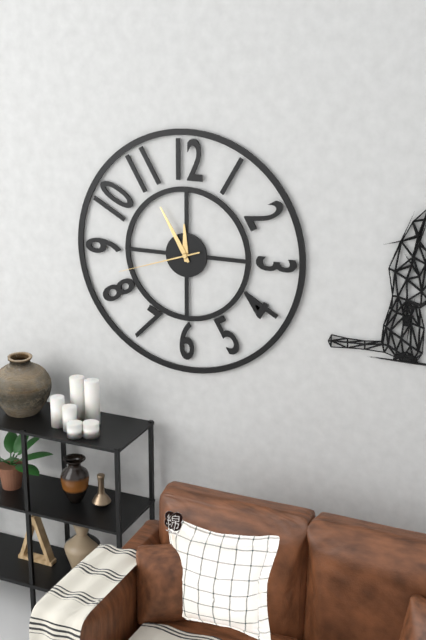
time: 11:55:42
